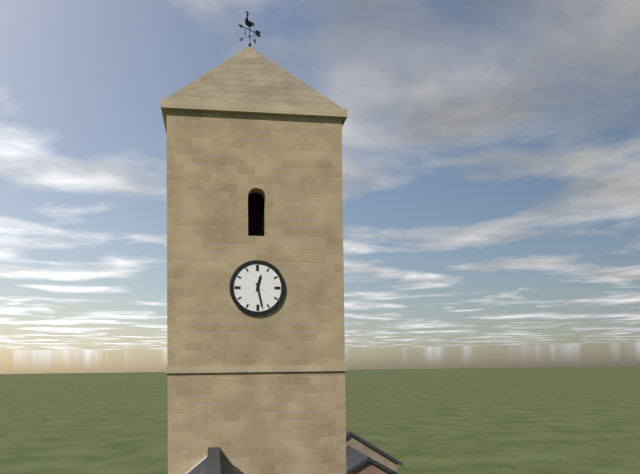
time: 12:28
